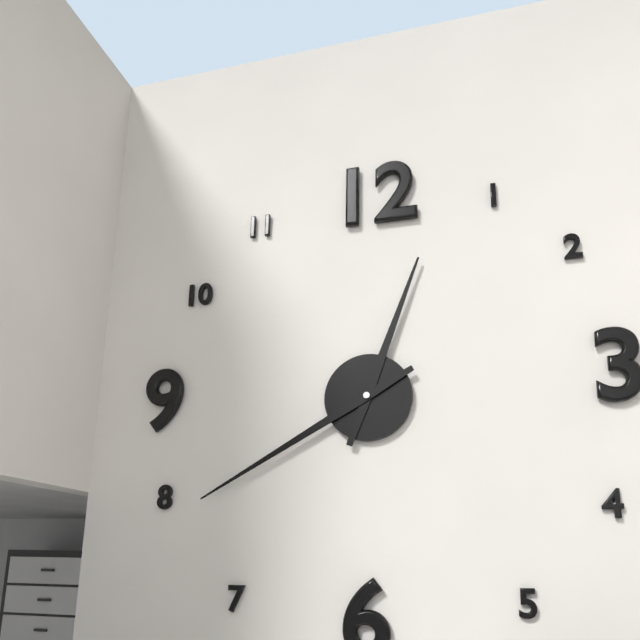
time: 12:40
